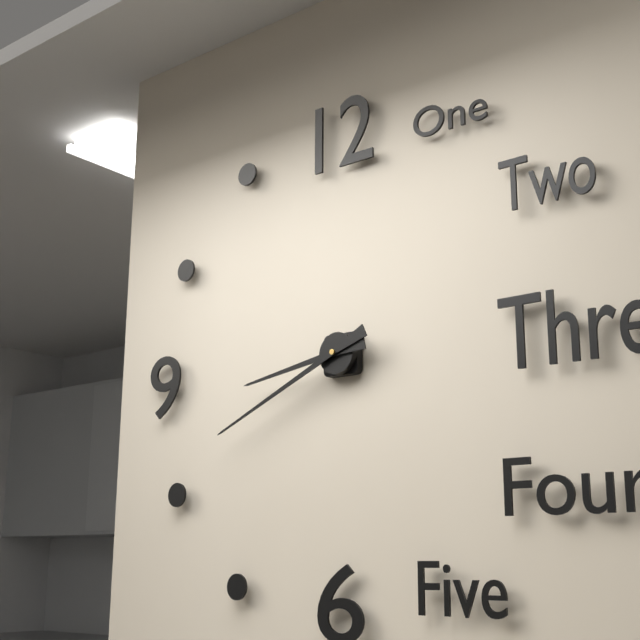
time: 8:41
